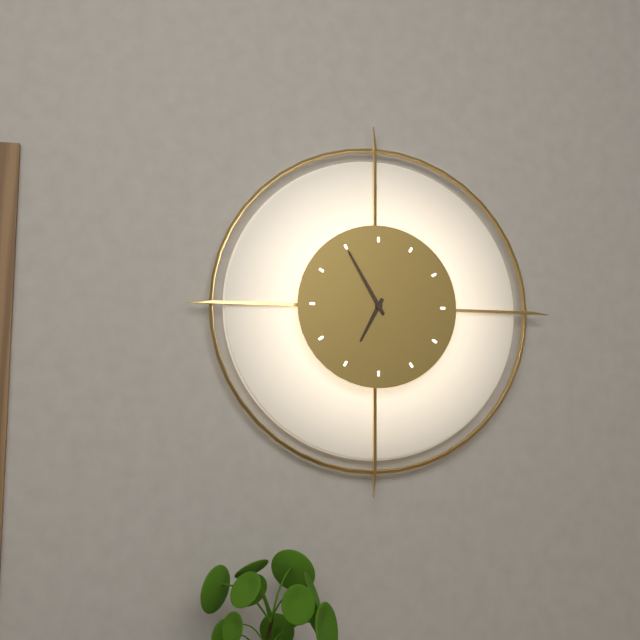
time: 6:55
